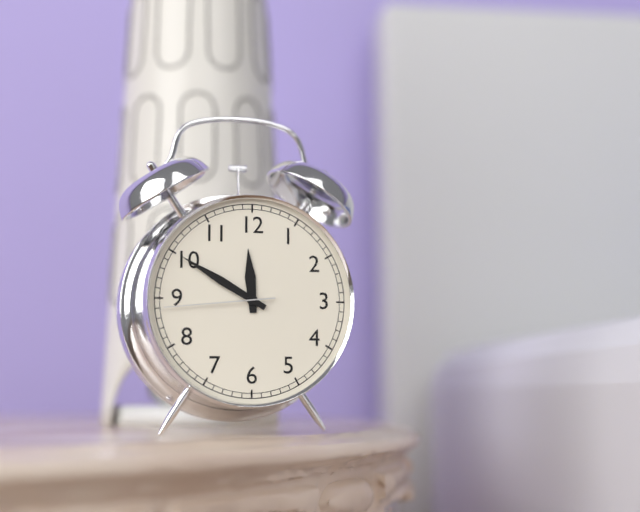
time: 11:50:44
